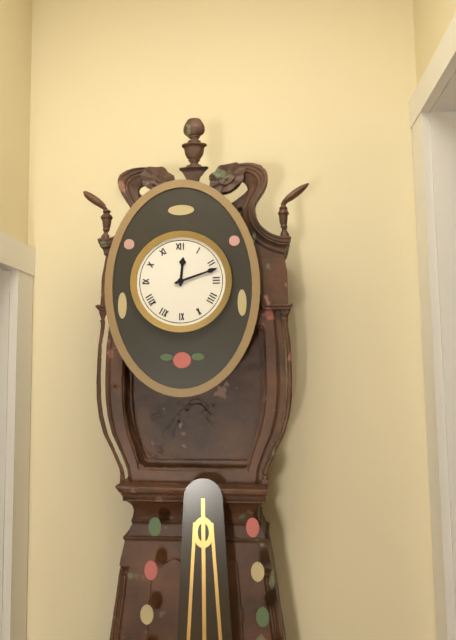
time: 12:12
